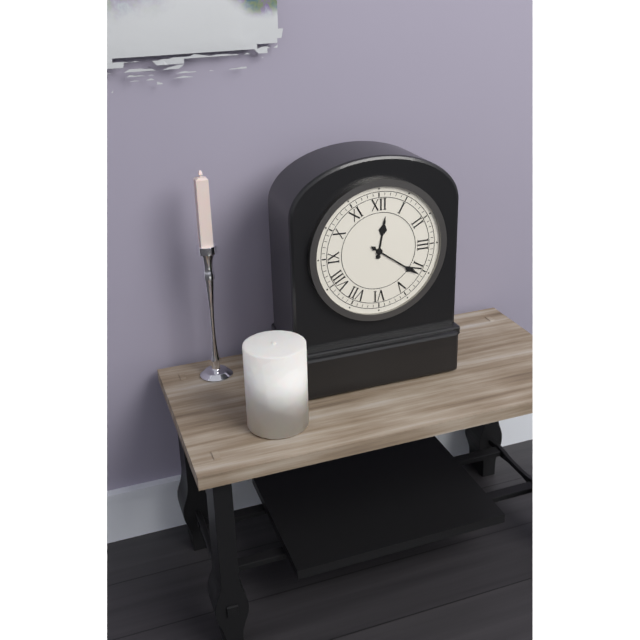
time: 12:21
